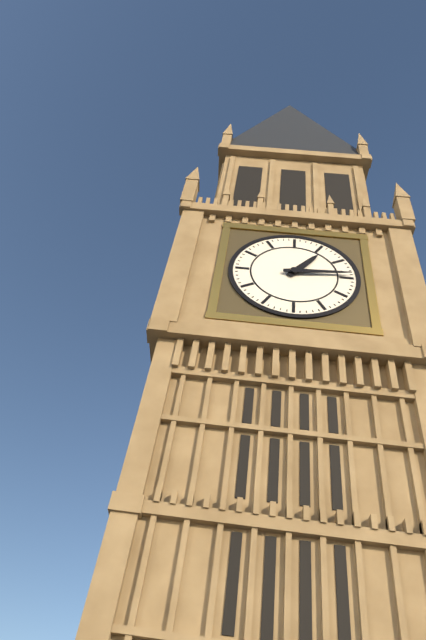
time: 1:14
